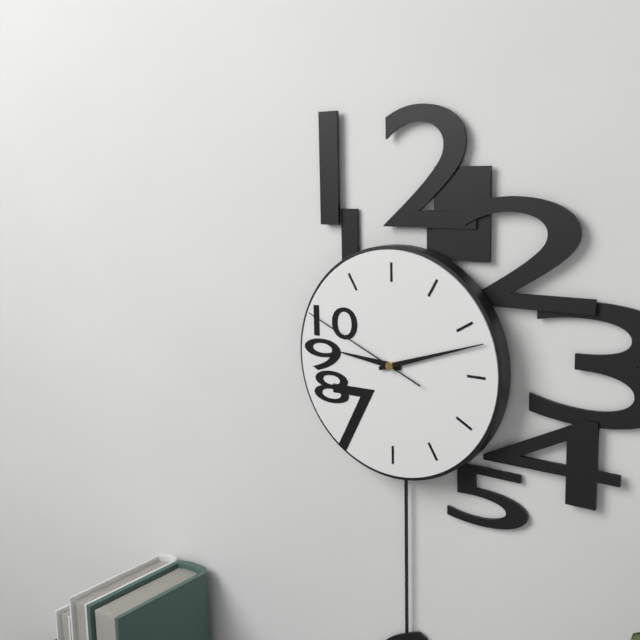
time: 9:12:49
